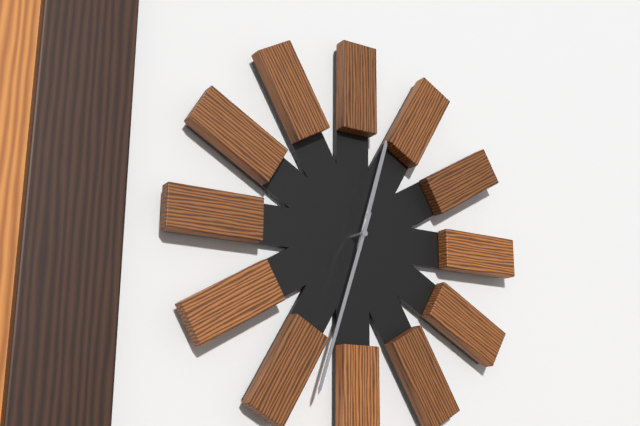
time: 12:33
